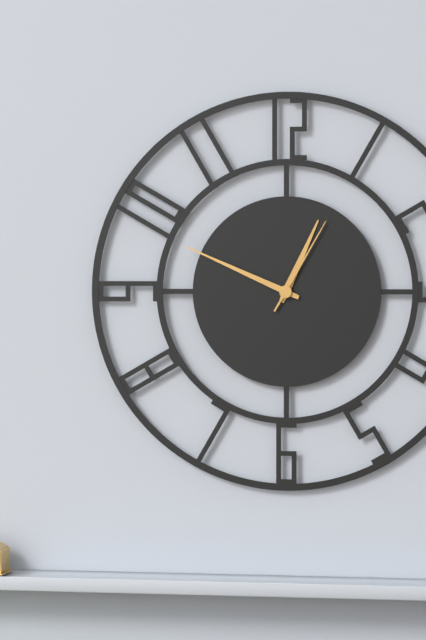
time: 12:49:05
